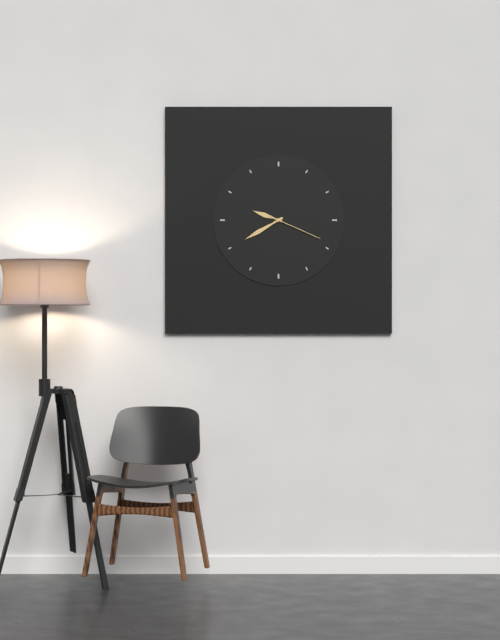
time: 9:40:19
